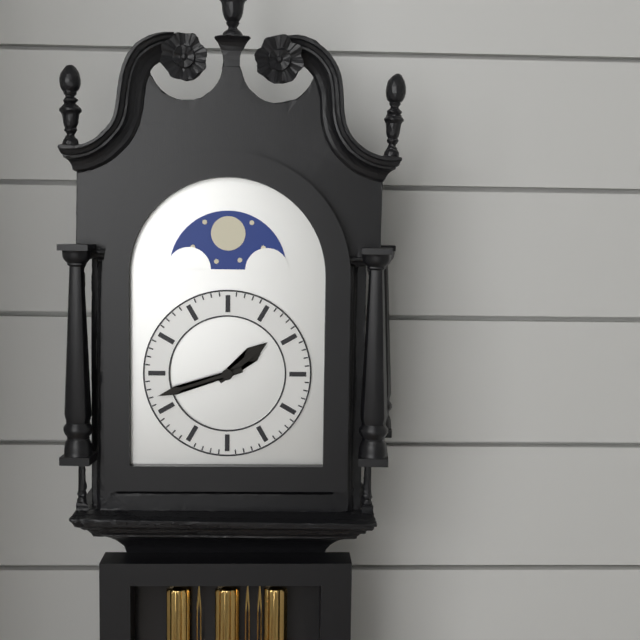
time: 1:42
